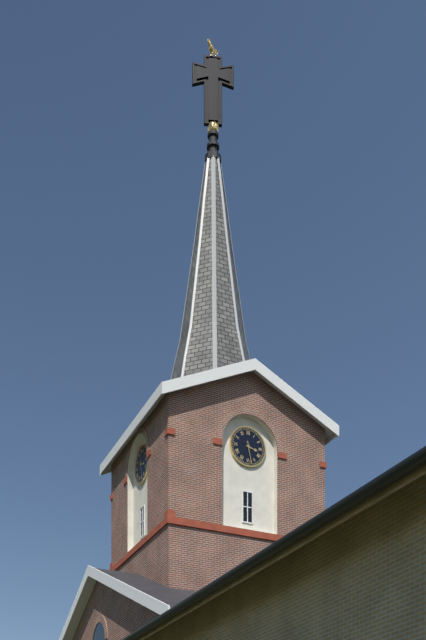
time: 3:28
